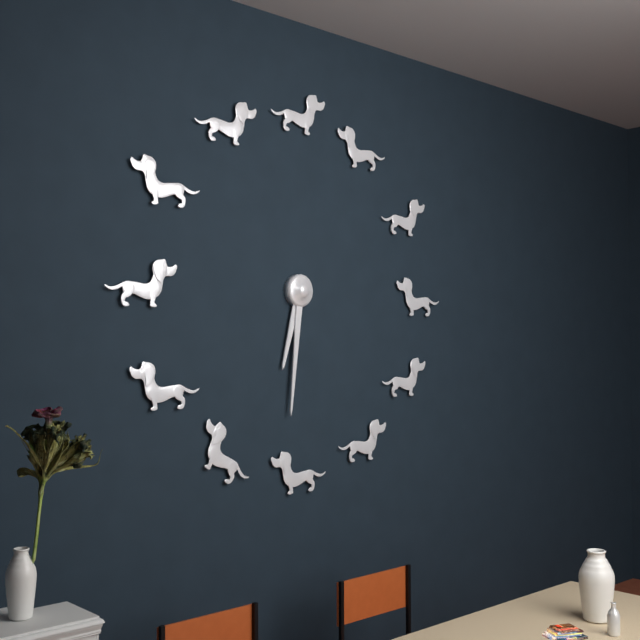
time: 6:31
